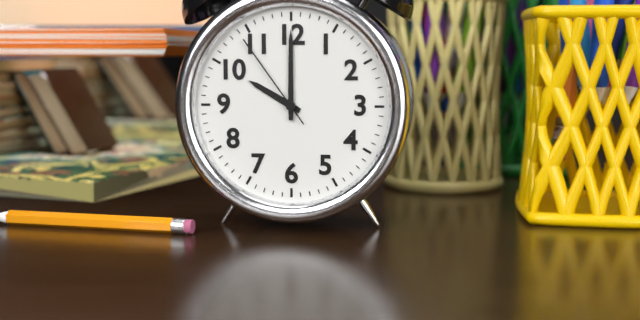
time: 10:00:54
